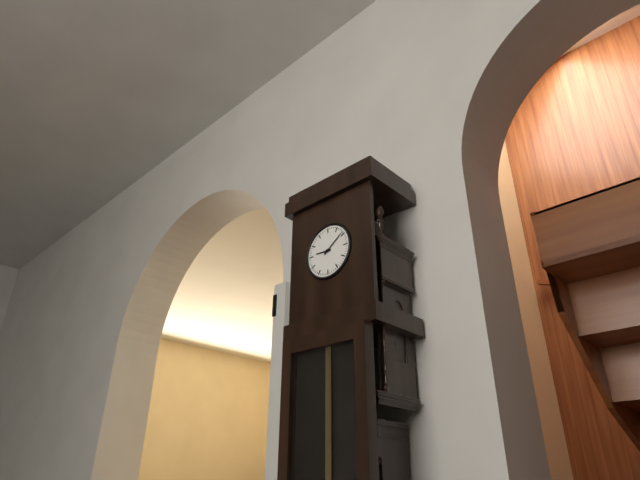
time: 9:09
